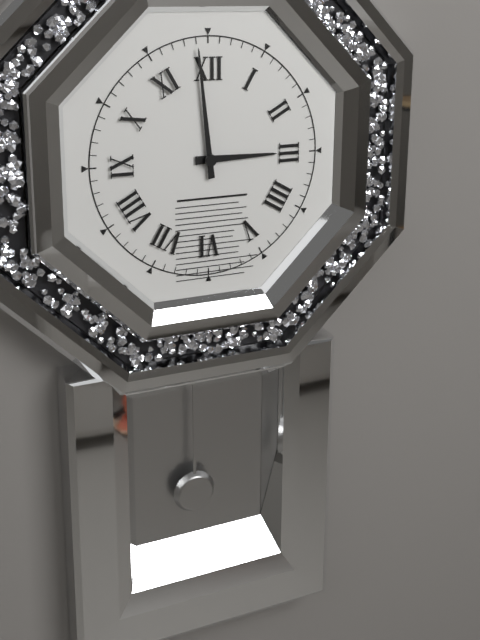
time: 2:59
